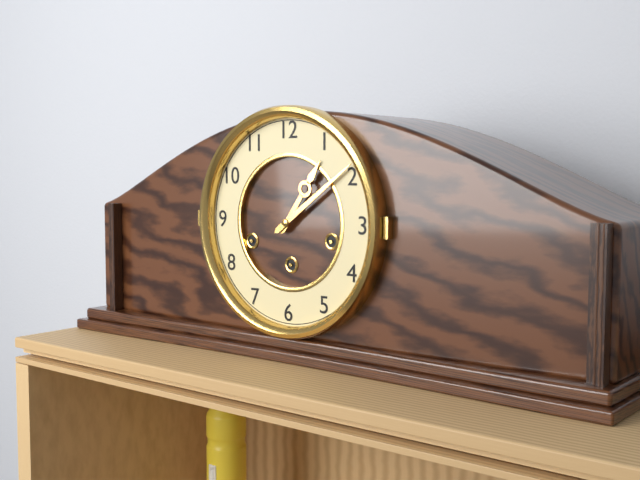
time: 1:09
